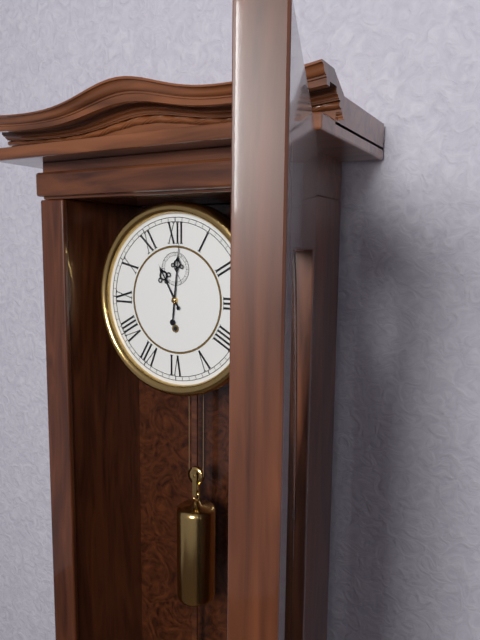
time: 11:01
